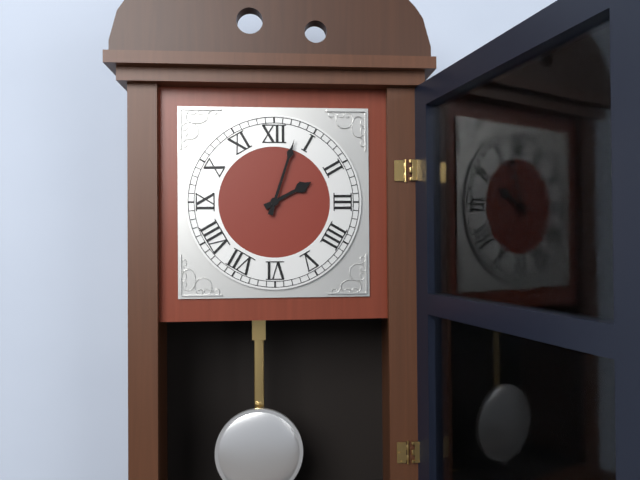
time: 2:03
